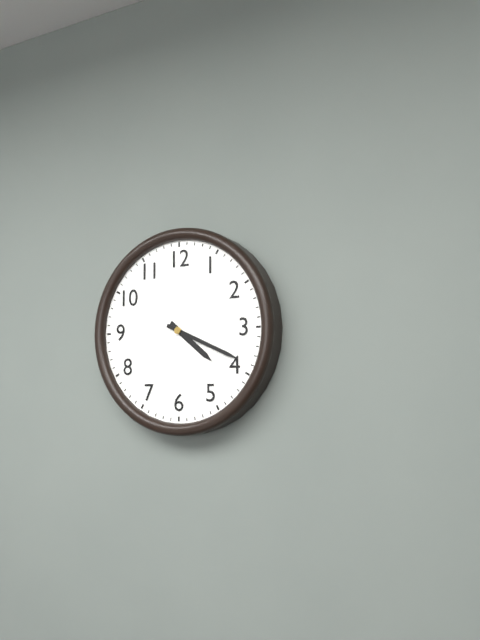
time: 4:19
